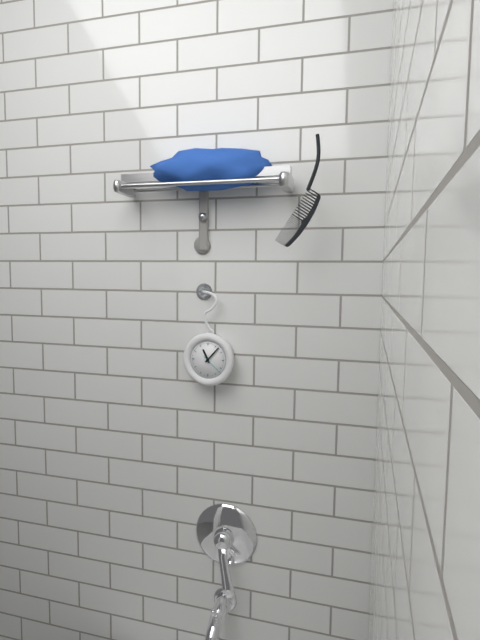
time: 11:07
